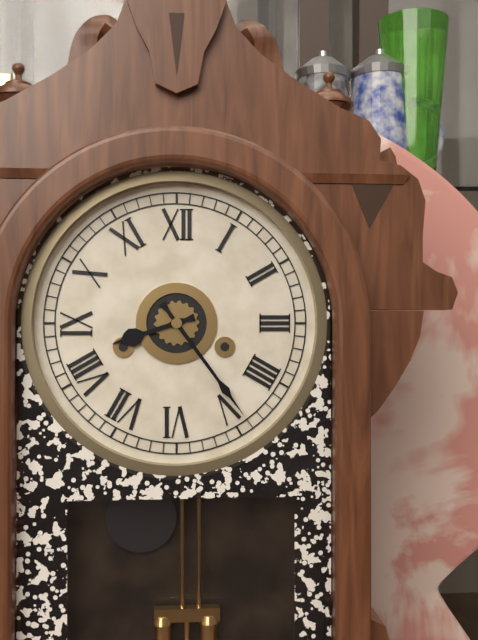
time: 8:24
